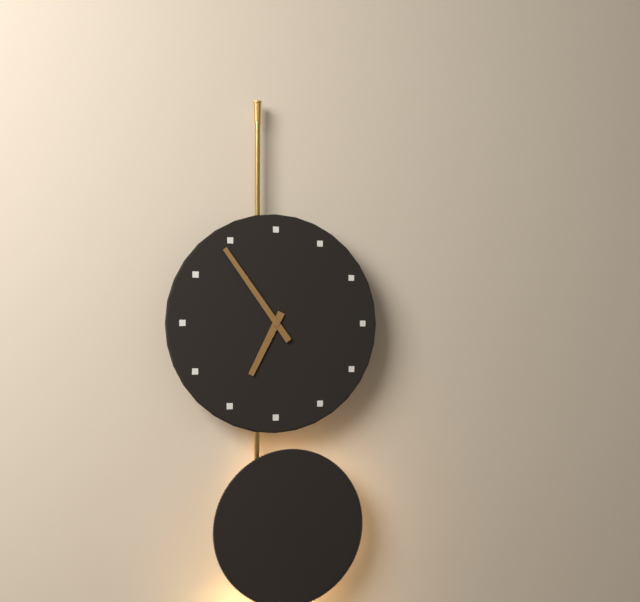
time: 6:54
